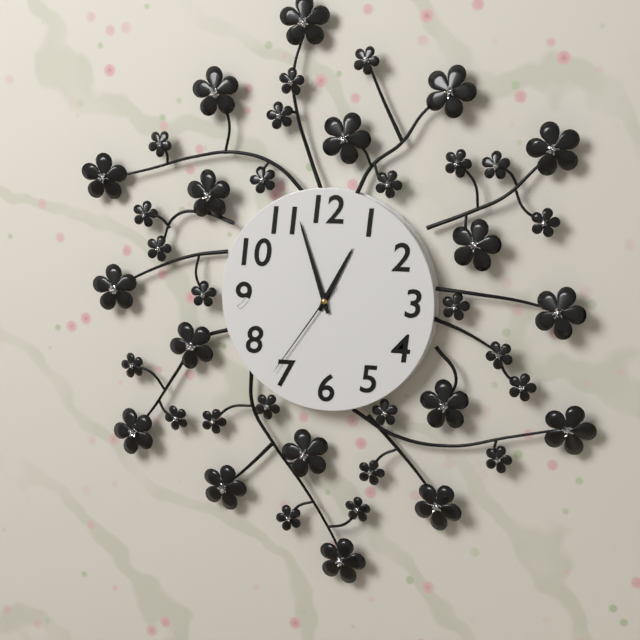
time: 12:57:36
